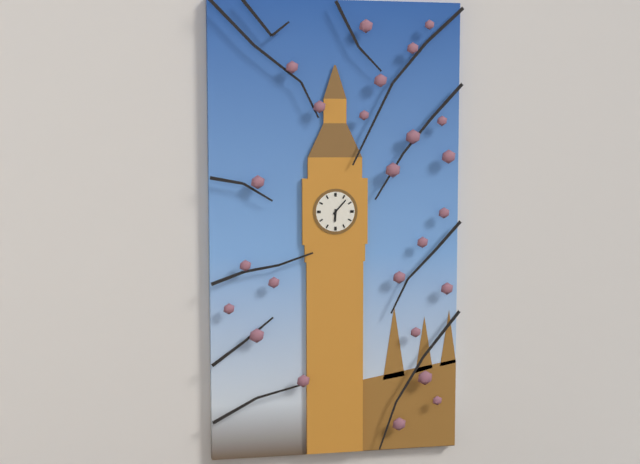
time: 6:07
